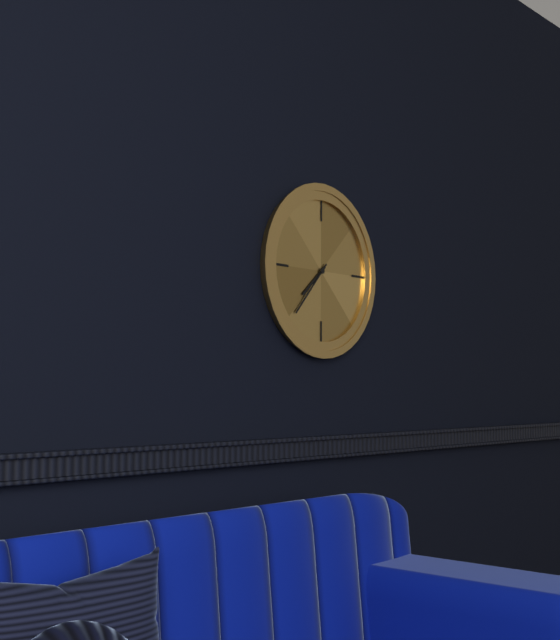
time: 7:37
